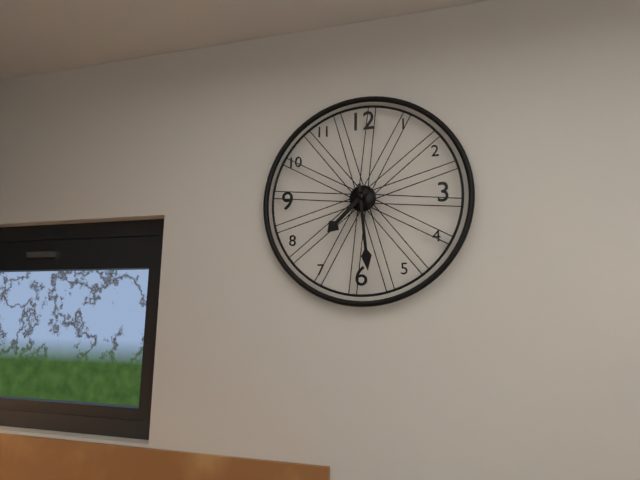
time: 7:29
